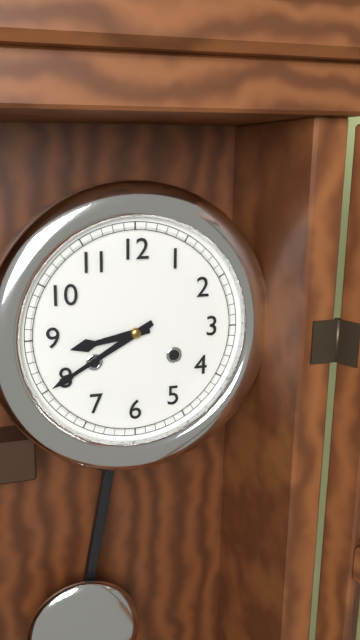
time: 8:40
